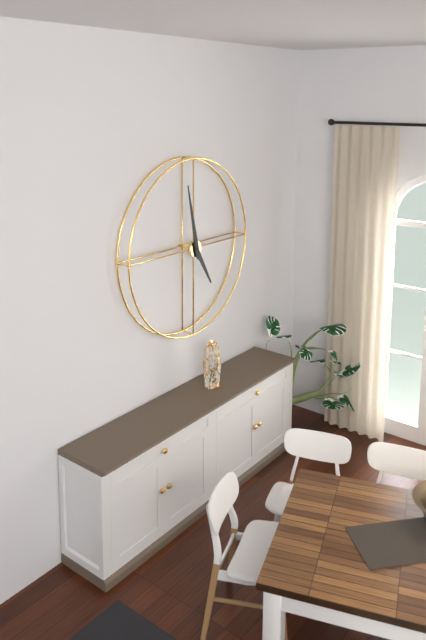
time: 4:58
